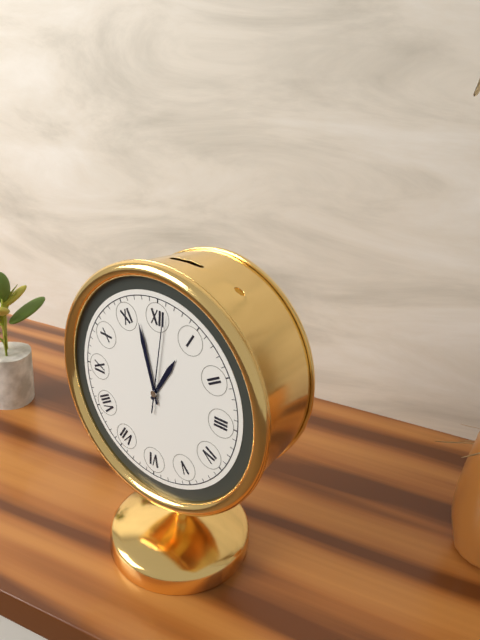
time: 12:57:01
